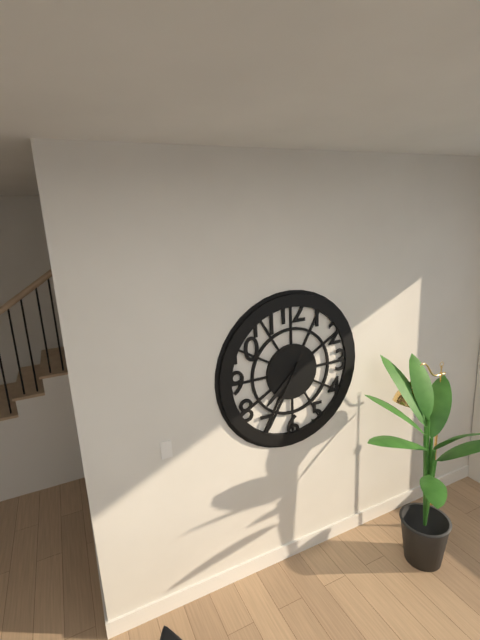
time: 7:35
